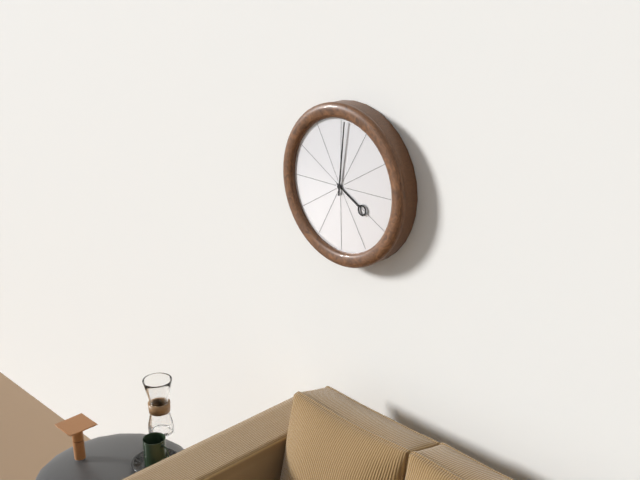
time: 4:01
